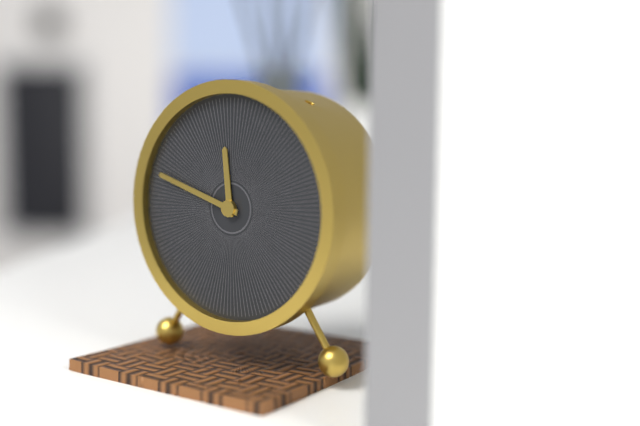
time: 11:48
